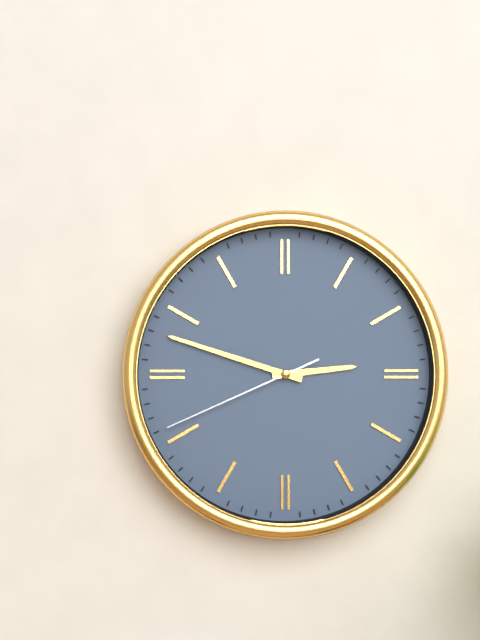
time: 2:48:41
